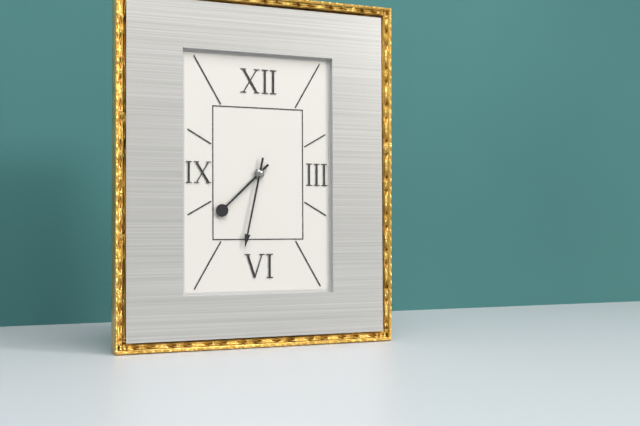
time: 7:32
